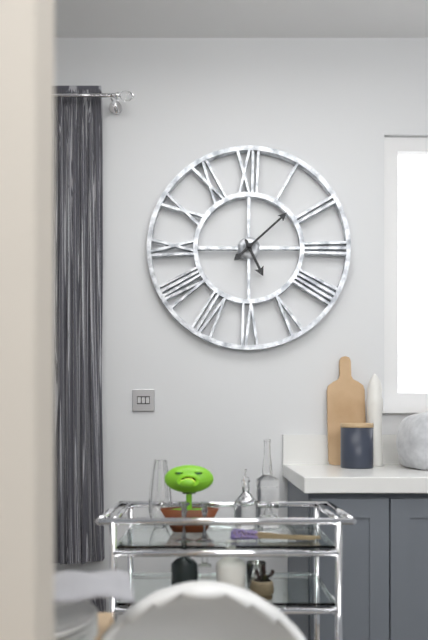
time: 5:08
